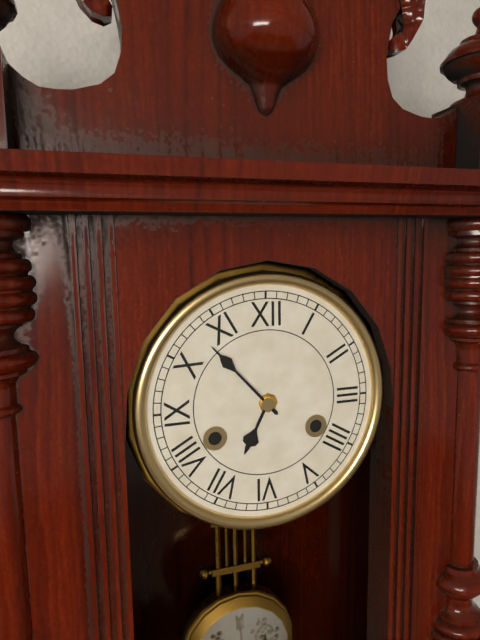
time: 6:53
